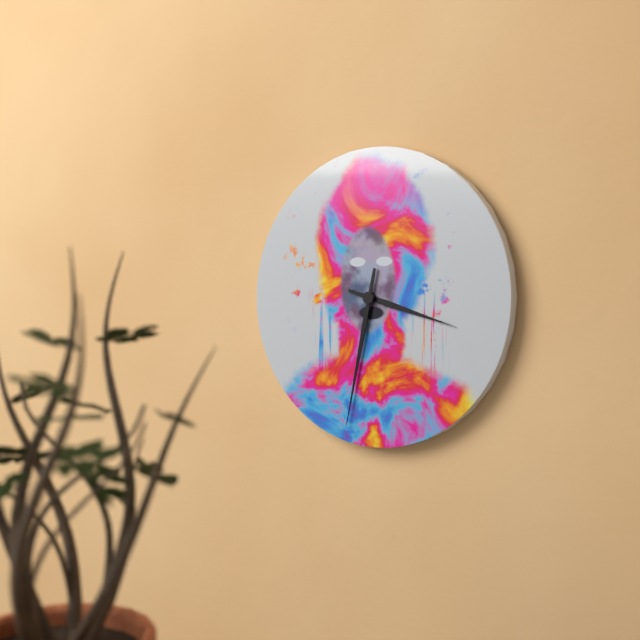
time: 3:32
